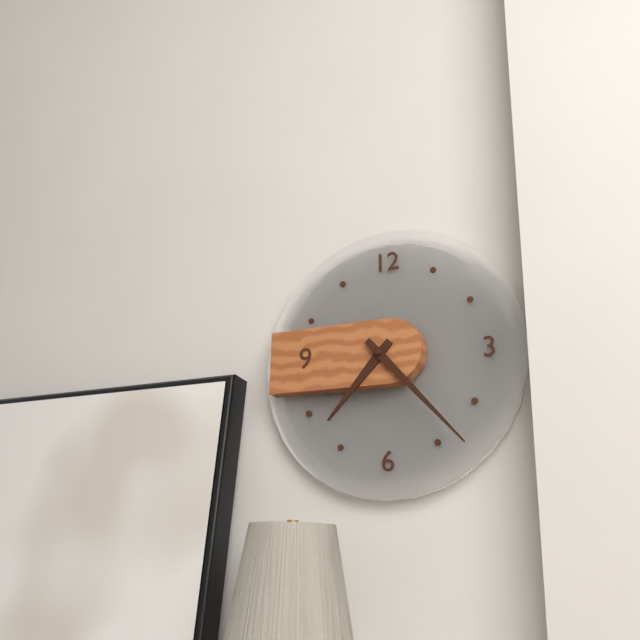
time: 7:23
